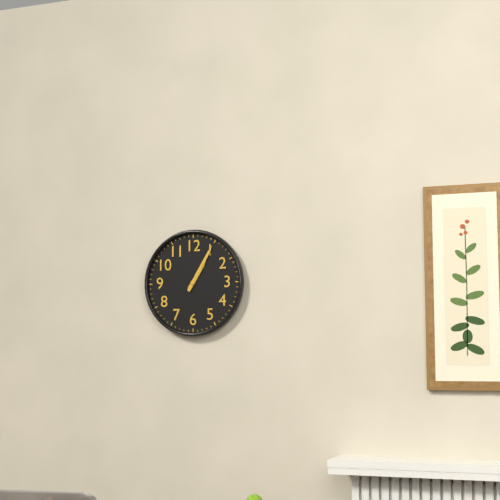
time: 1:05
